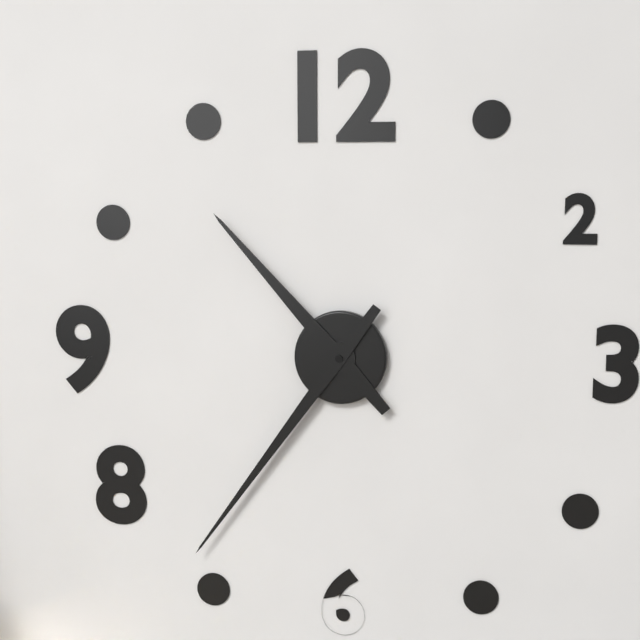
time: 10:36
